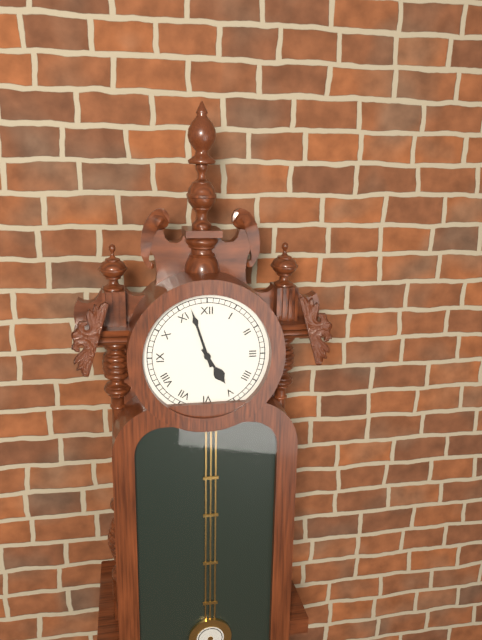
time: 4:57
